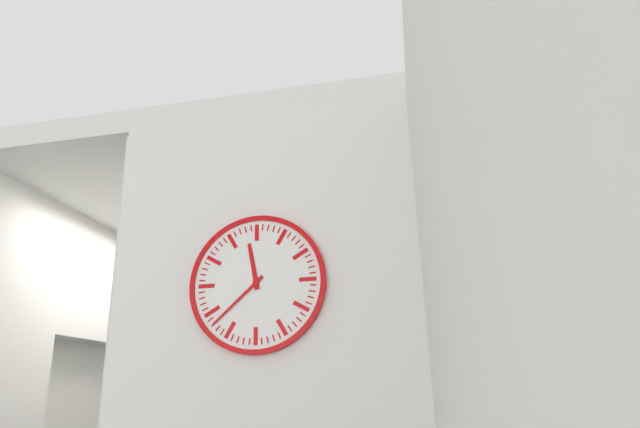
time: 11:38
